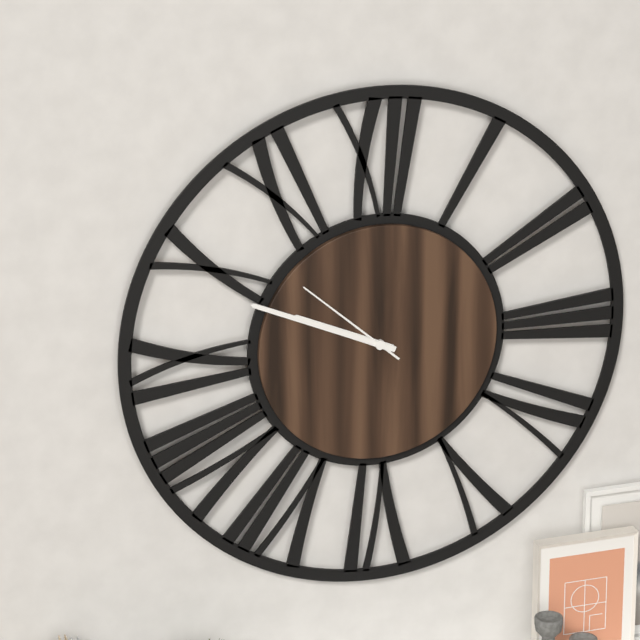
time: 9:49:52
